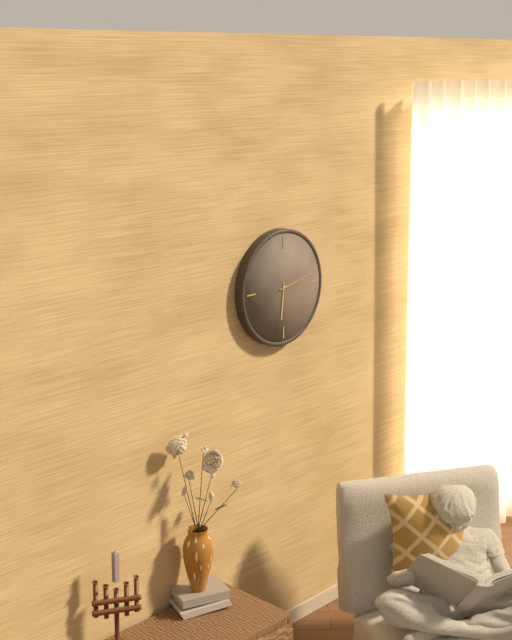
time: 6:13
